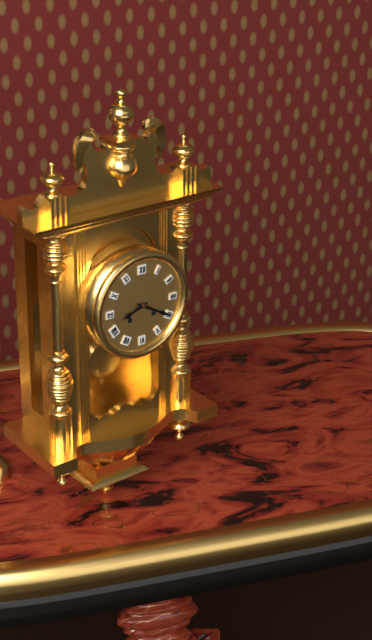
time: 8:20
